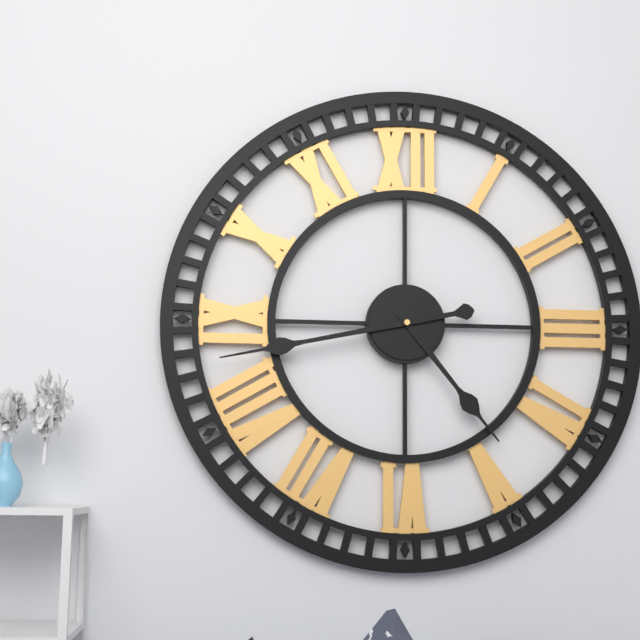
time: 4:43
